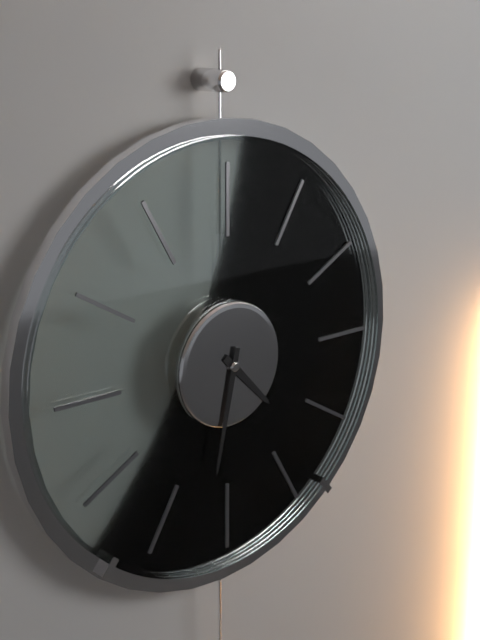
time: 4:32
